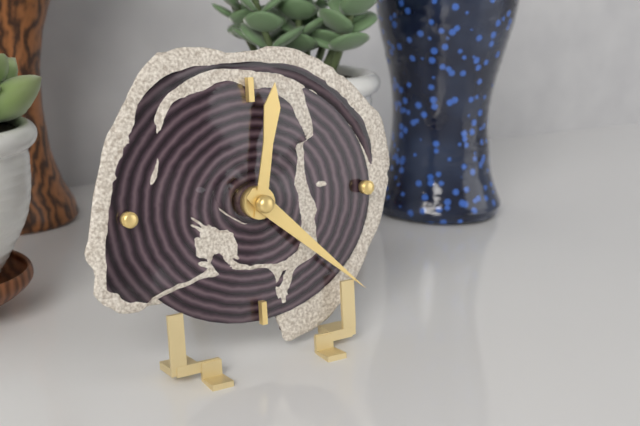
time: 12:22
